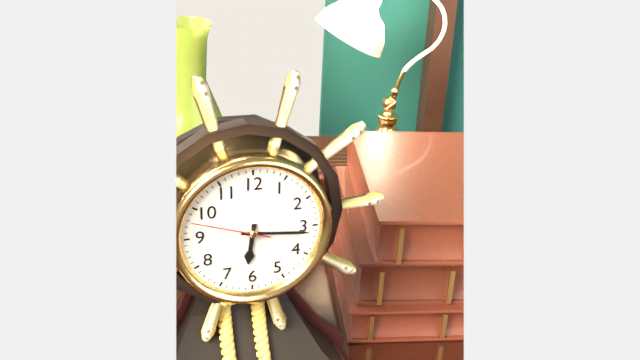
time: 6:16:48
